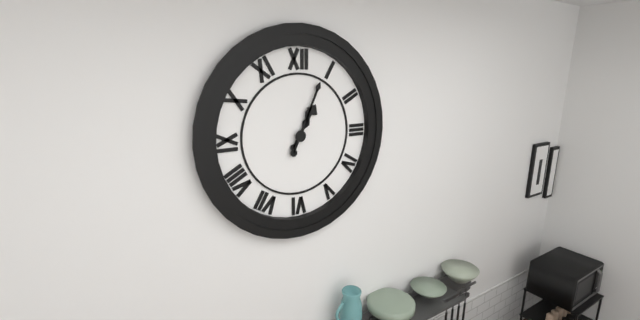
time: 1:04
